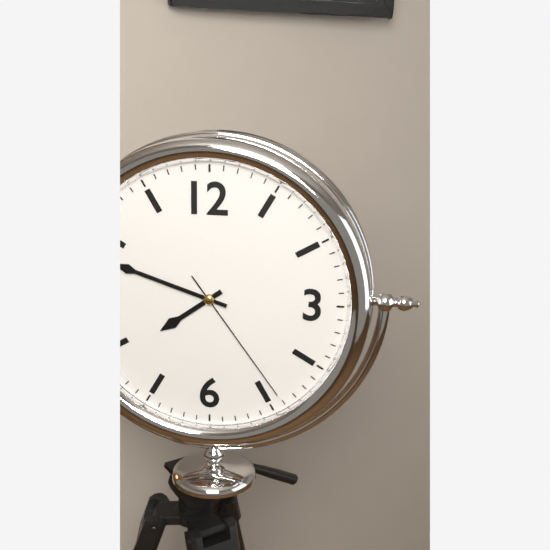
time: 7:48:24
